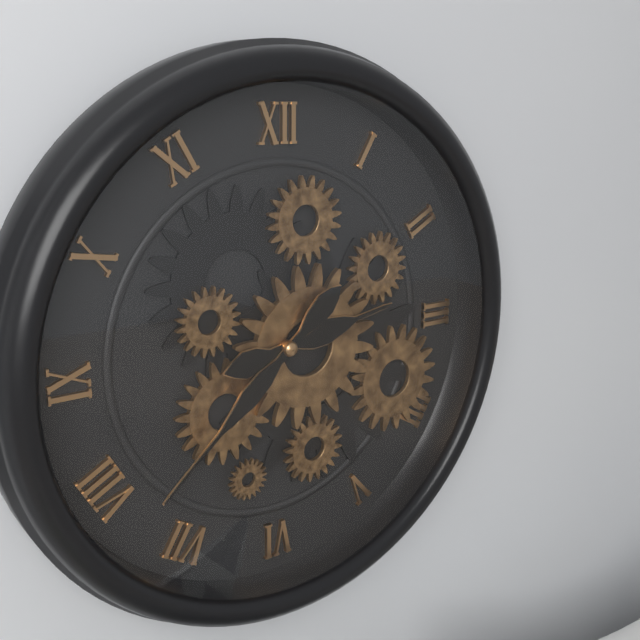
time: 2:38
